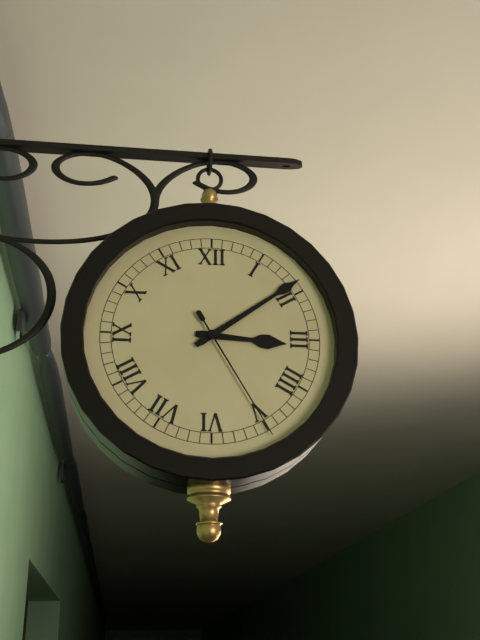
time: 3:09:25
